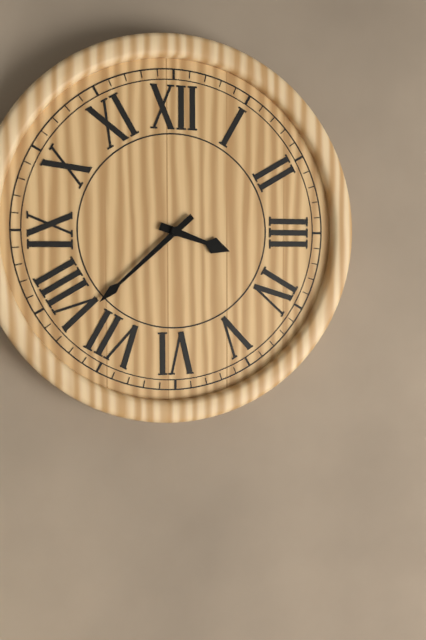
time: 3:38
